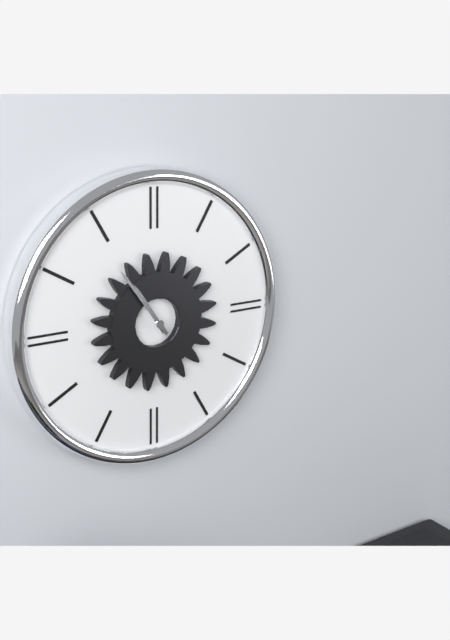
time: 10:54
